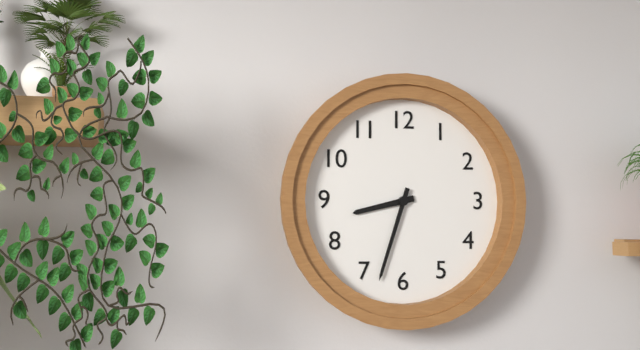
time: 8:33
